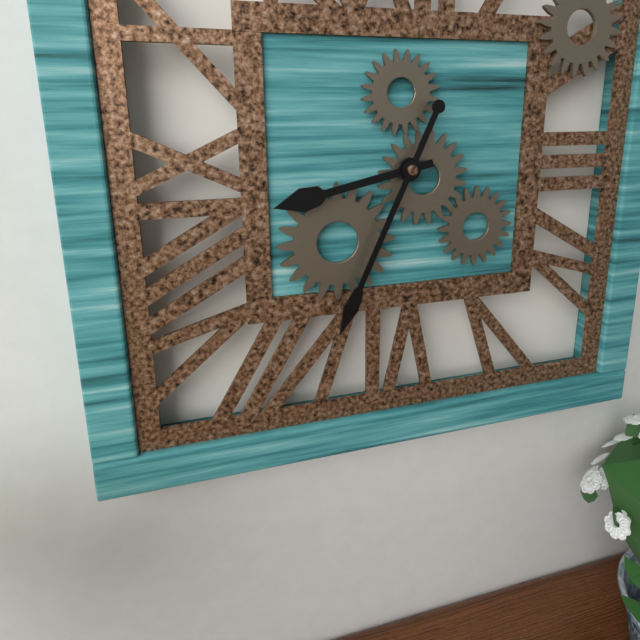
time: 8:34
